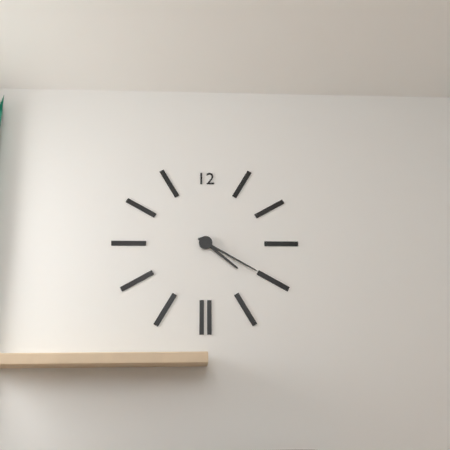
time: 4:20
